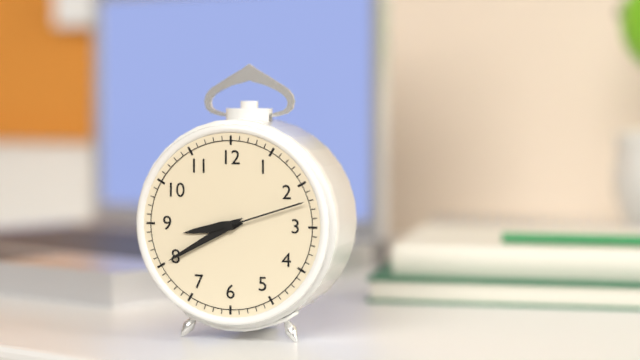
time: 8:40:12
